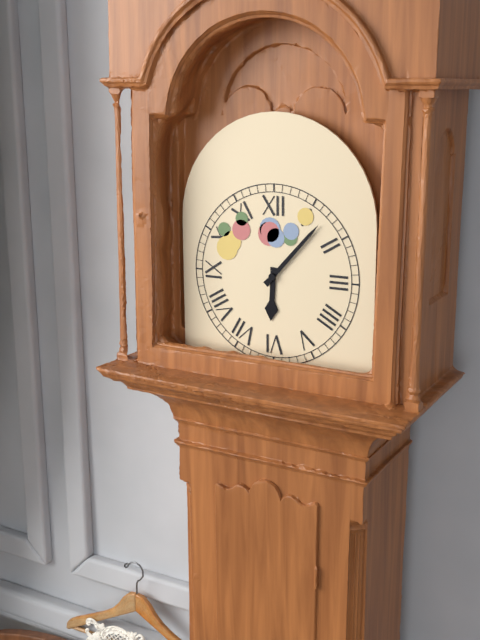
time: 6:07
